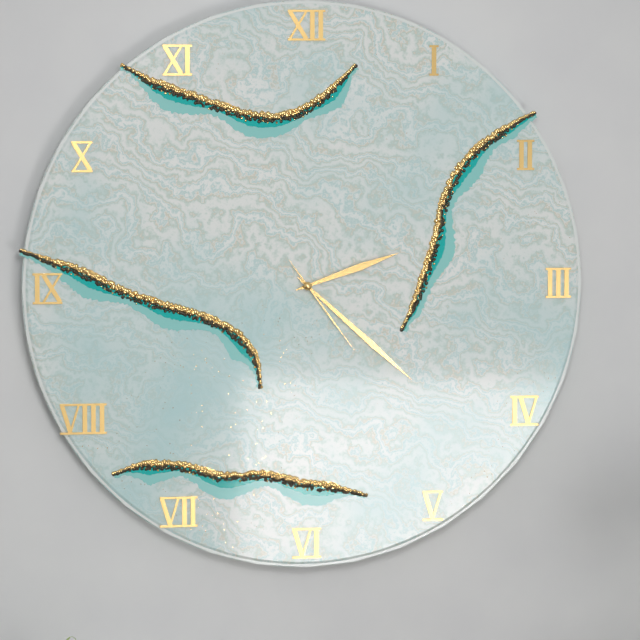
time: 2:22:24
